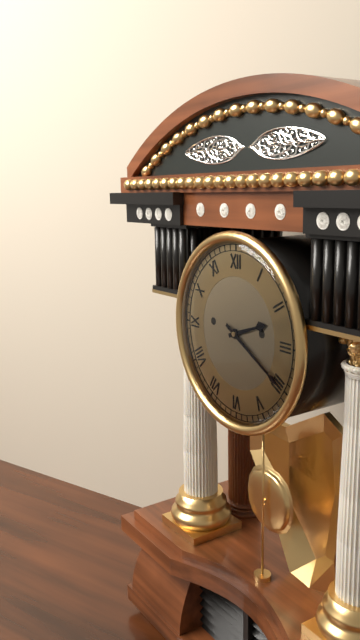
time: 2:20
